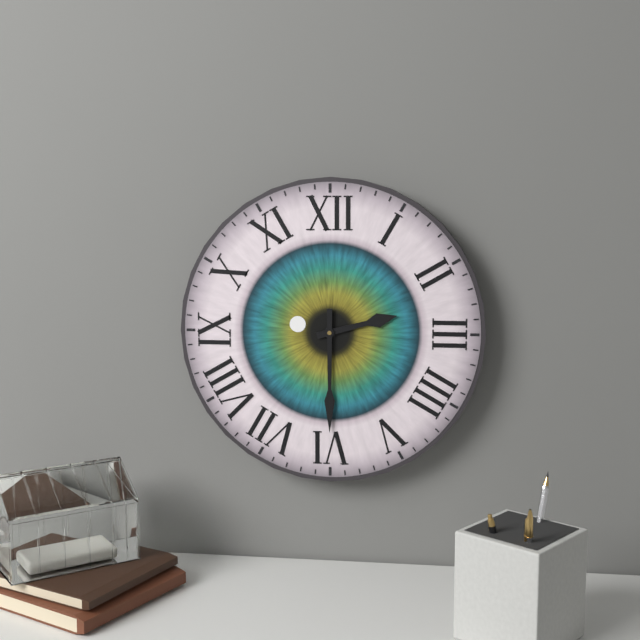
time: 2:30
